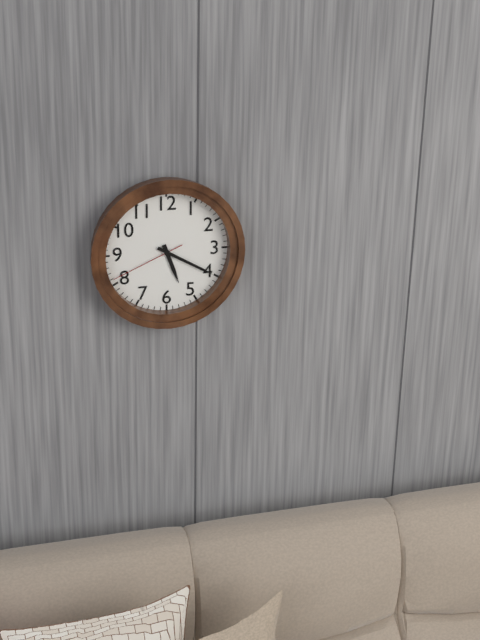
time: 5:20:41
